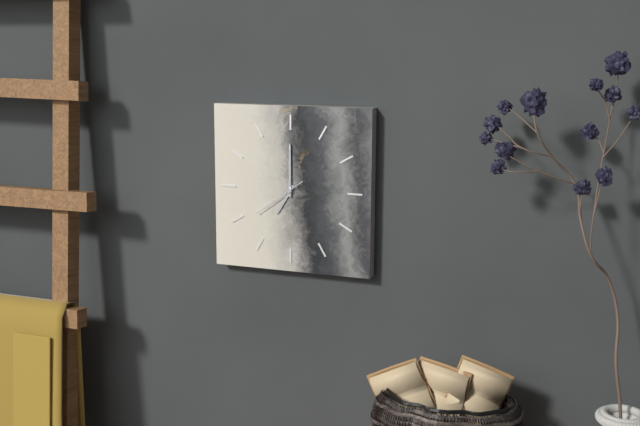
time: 7:00:39
